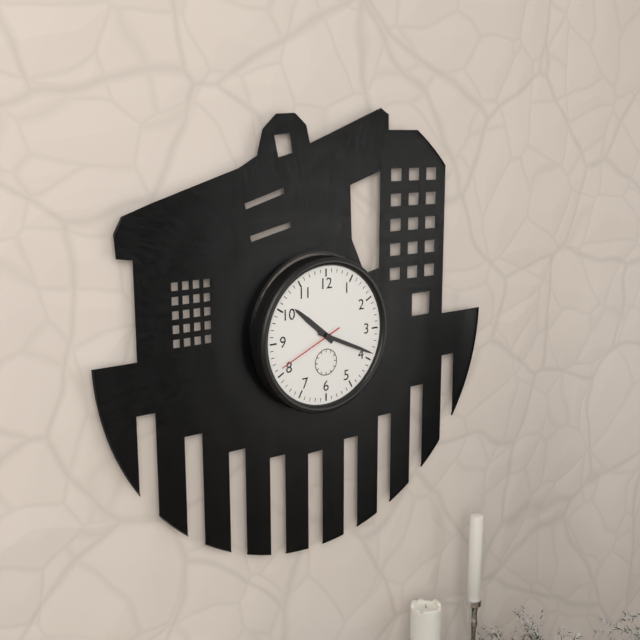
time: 10:19:41
